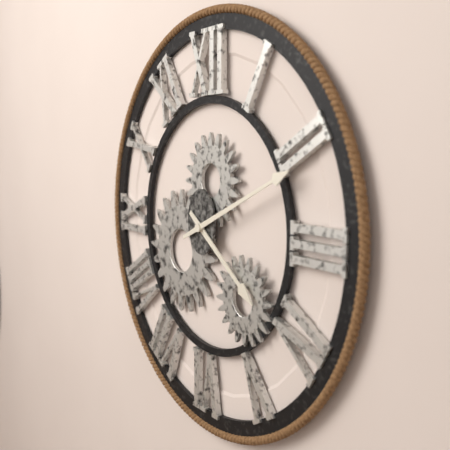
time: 4:11
